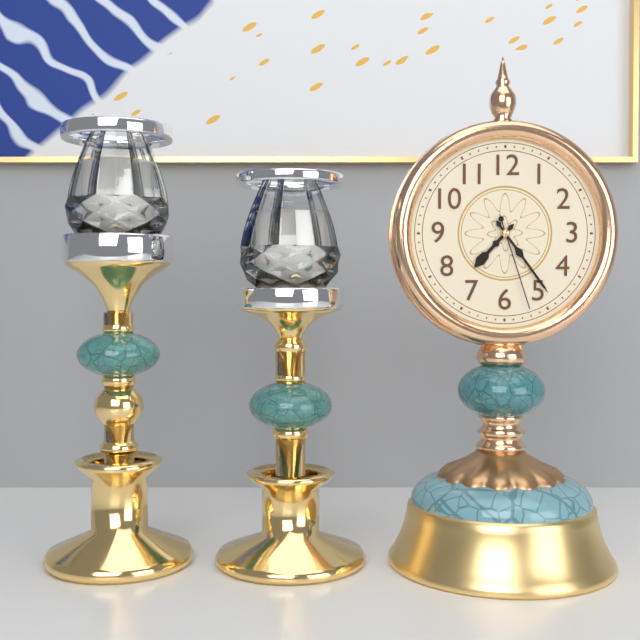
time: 7:24:27
